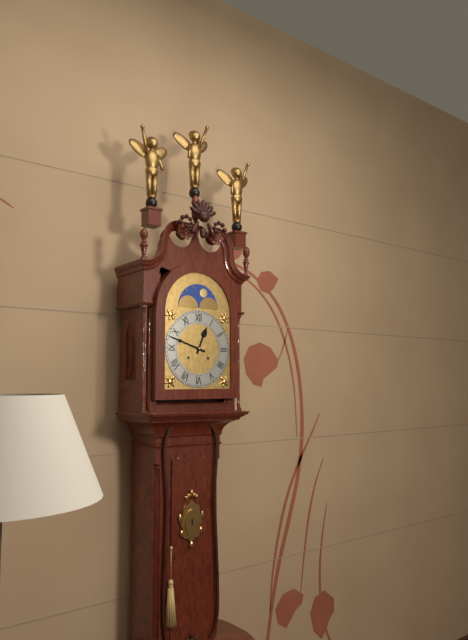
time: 12:48
